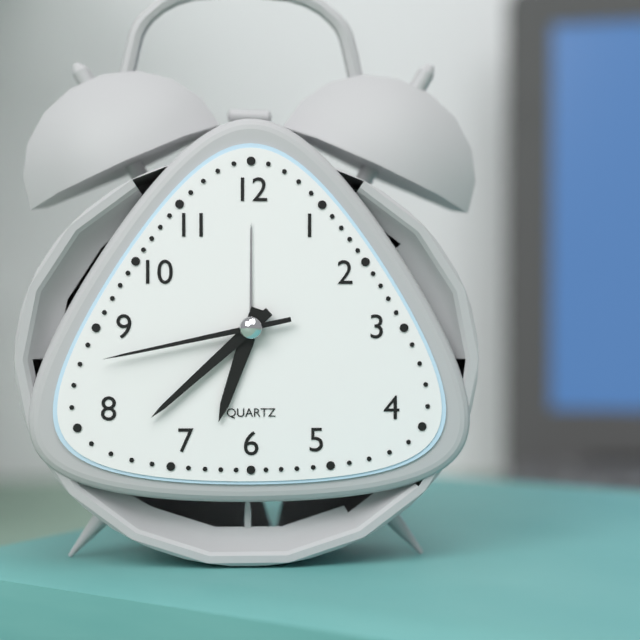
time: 6:38:43
